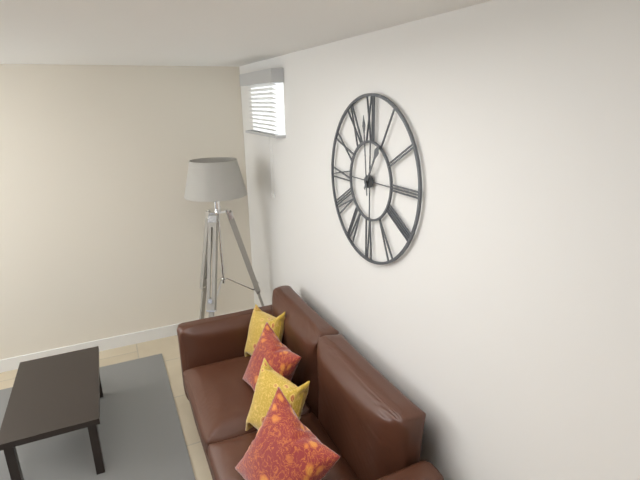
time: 12:59
